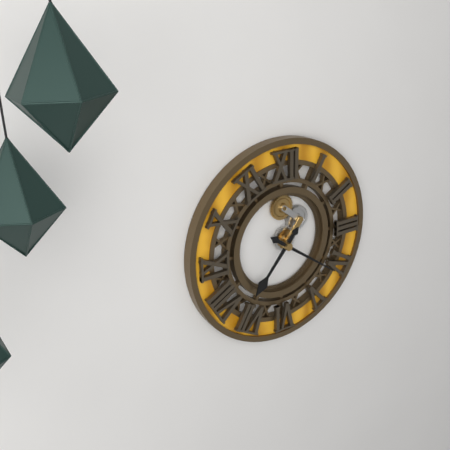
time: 7:21
